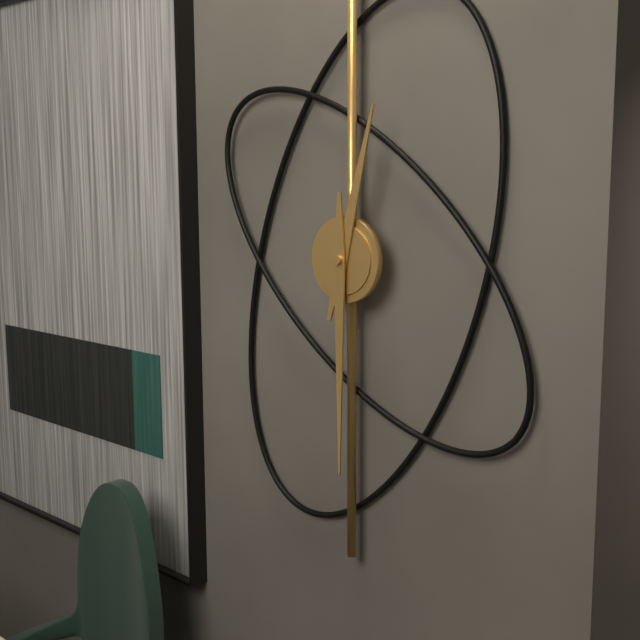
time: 12:30
